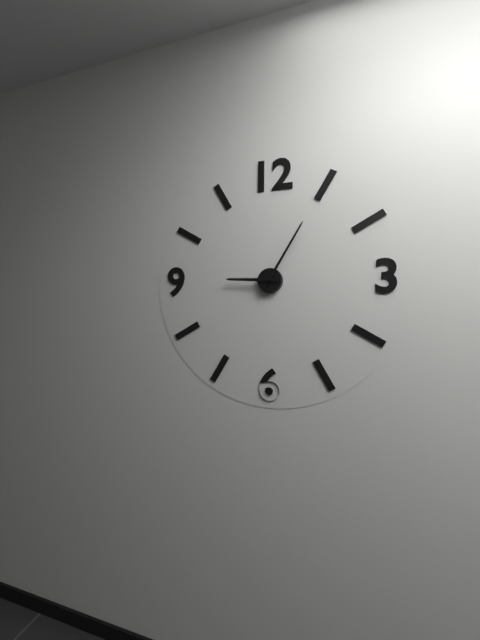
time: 9:05
